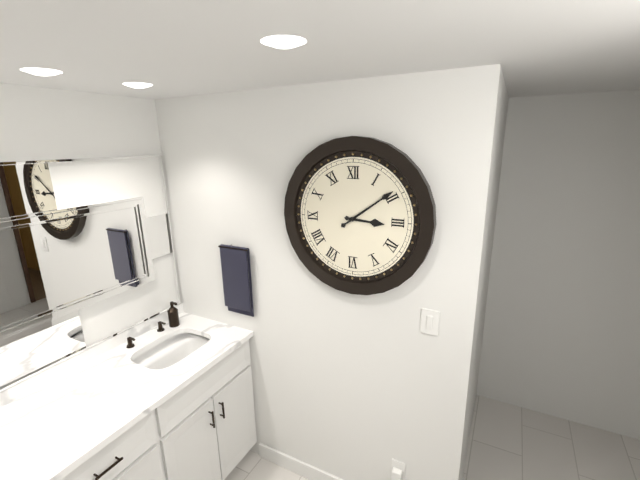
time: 3:09
